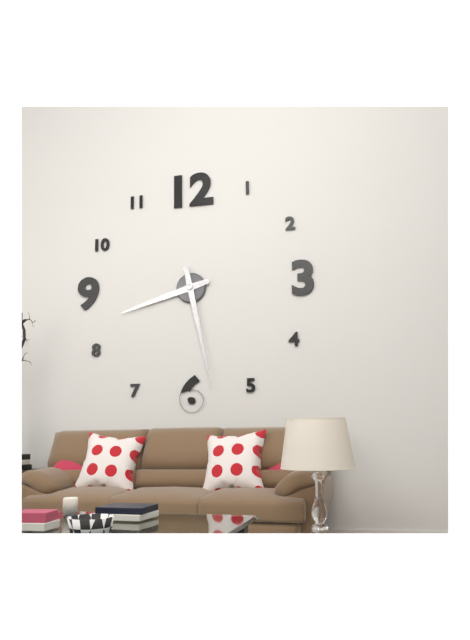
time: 8:28
